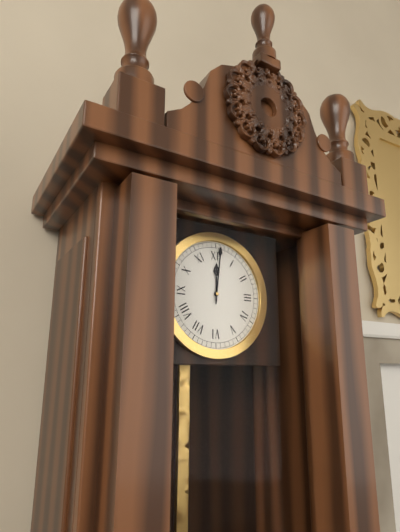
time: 12:01
